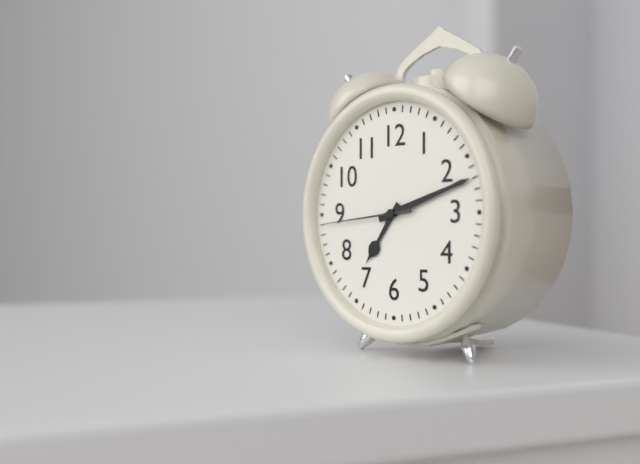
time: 7:12:44
